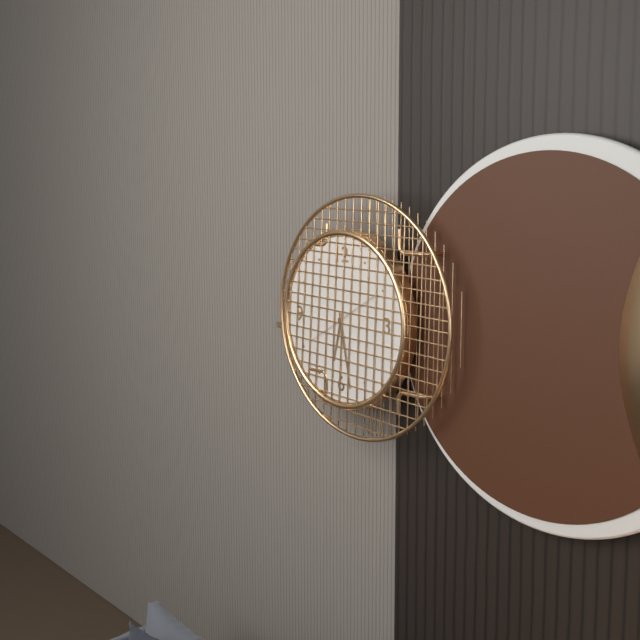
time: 6:28:10
